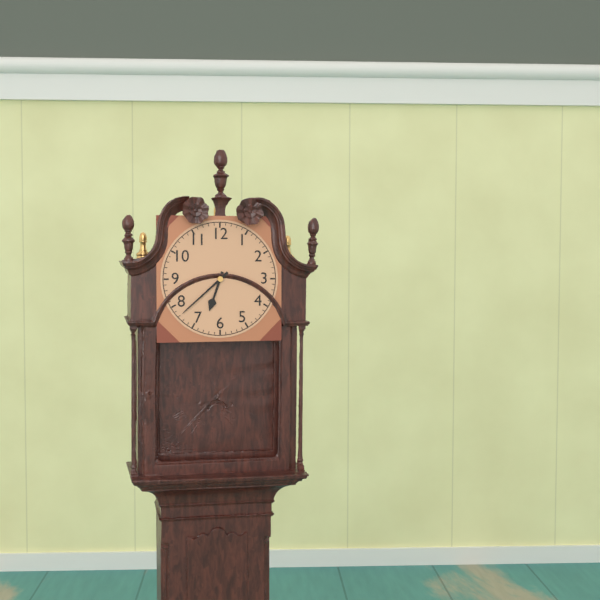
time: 6:38
